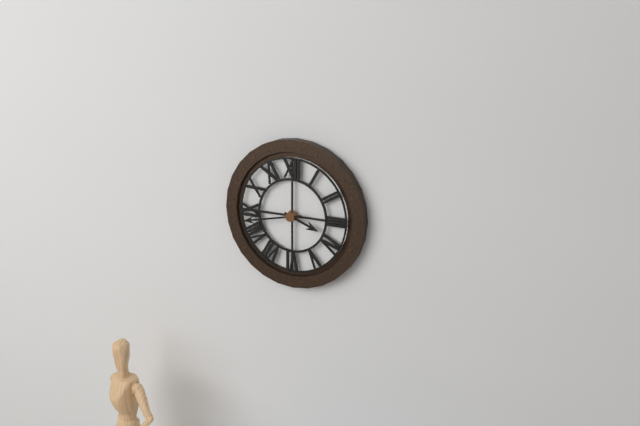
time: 3:43
